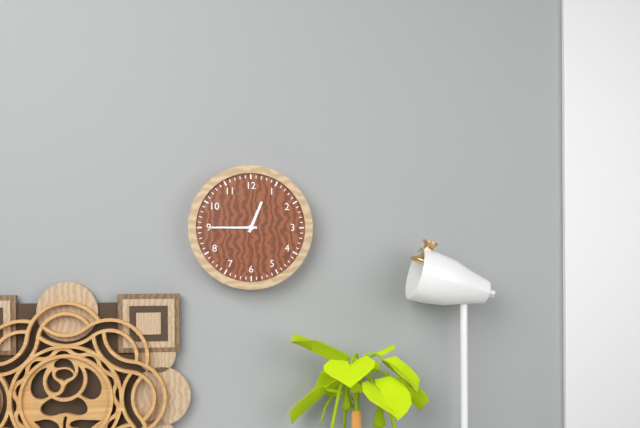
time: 12:45
